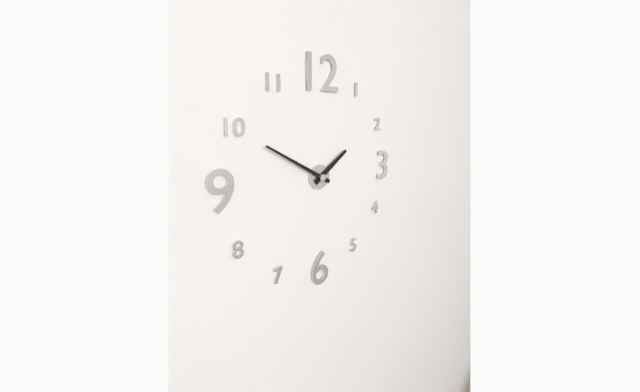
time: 1:50
